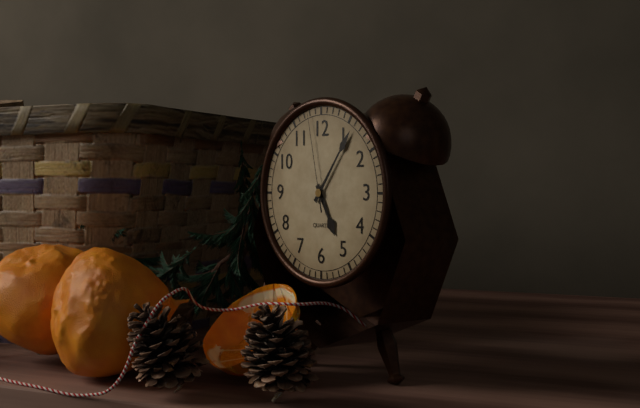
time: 5:06:58
